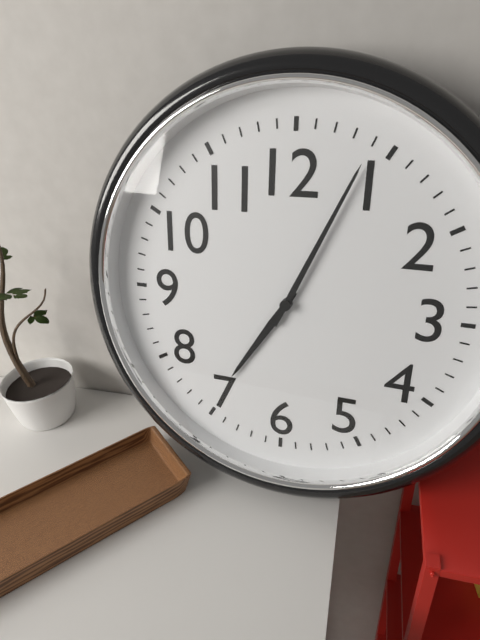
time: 7:04
